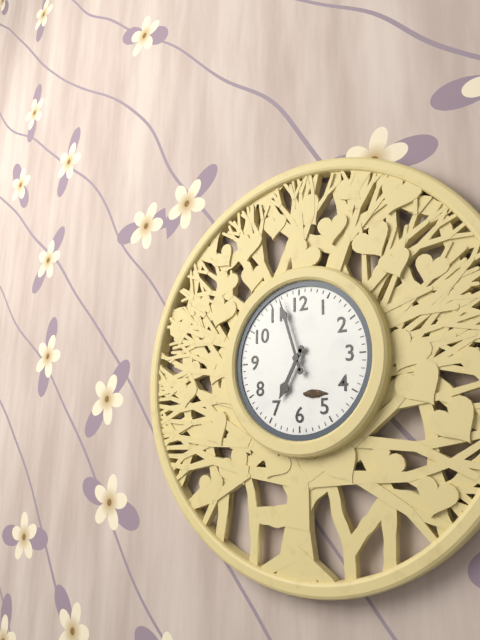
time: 6:57
